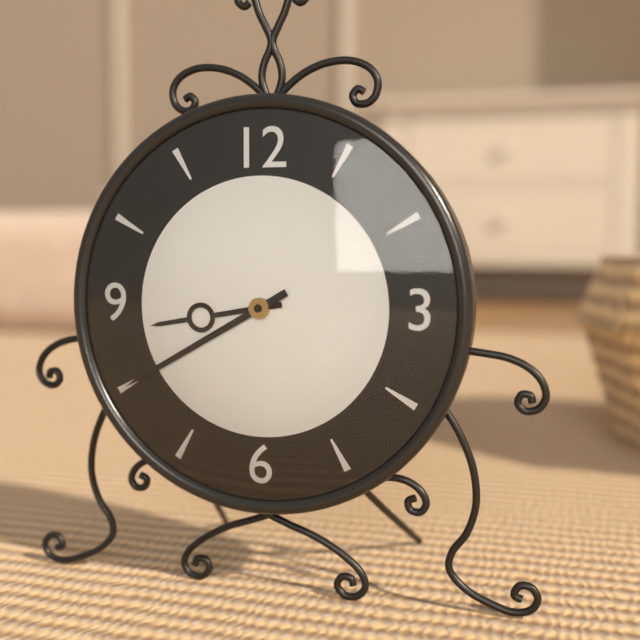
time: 8:40
